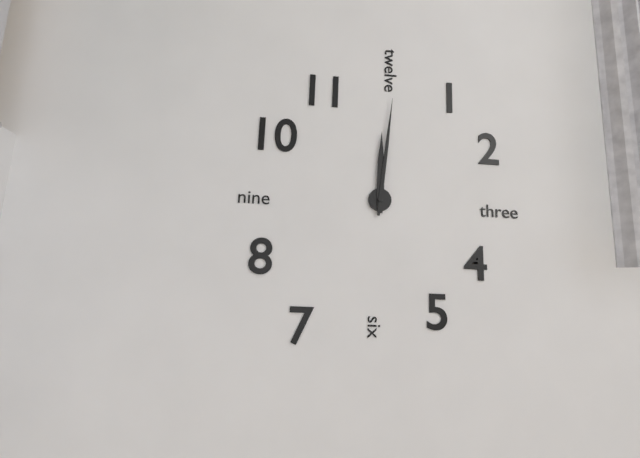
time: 12:01
